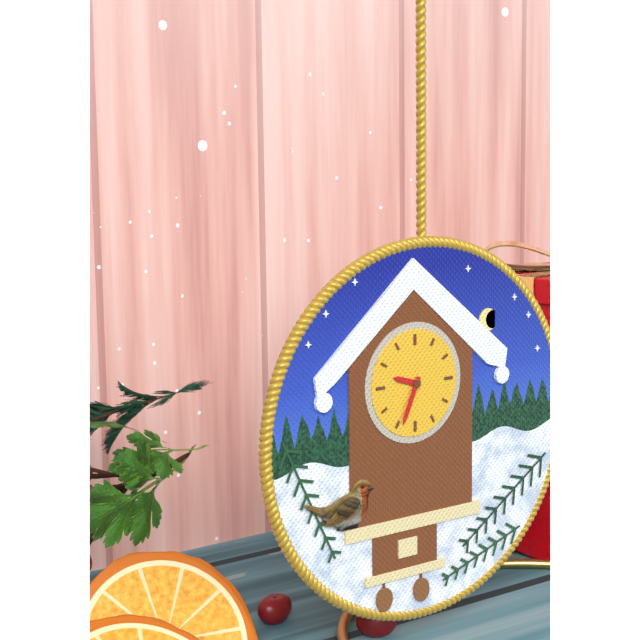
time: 9:34
